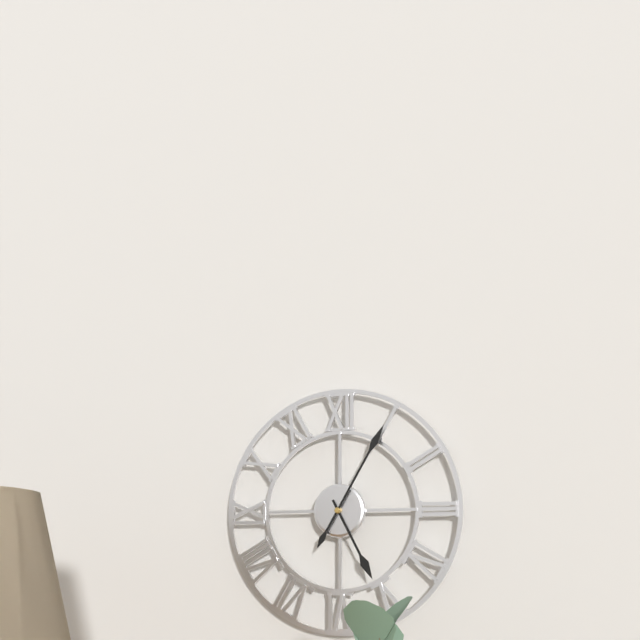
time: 5:05
